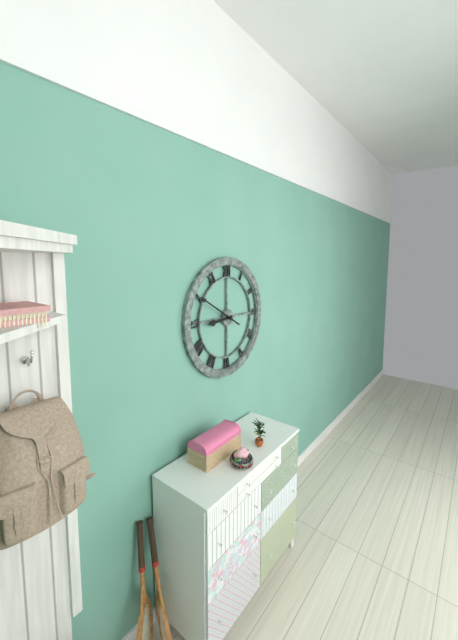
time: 8:50
